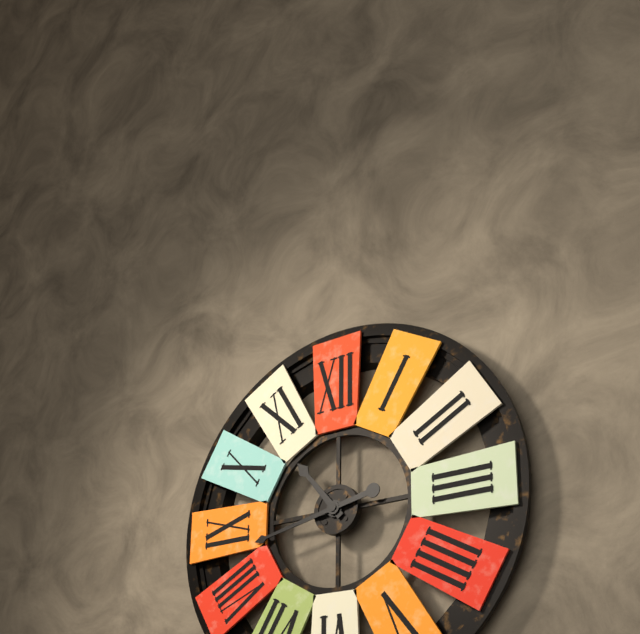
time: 10:43
